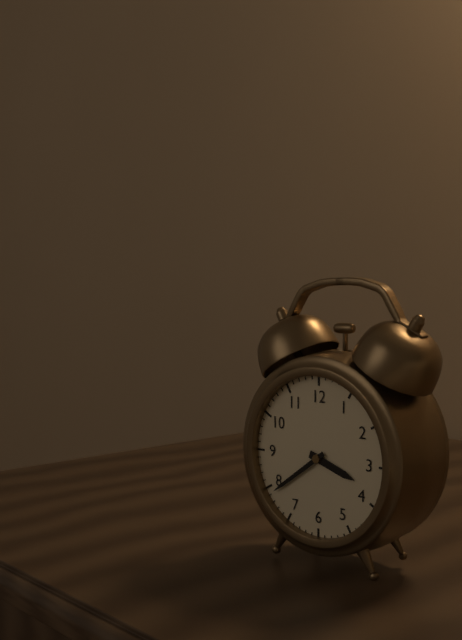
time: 3:39
